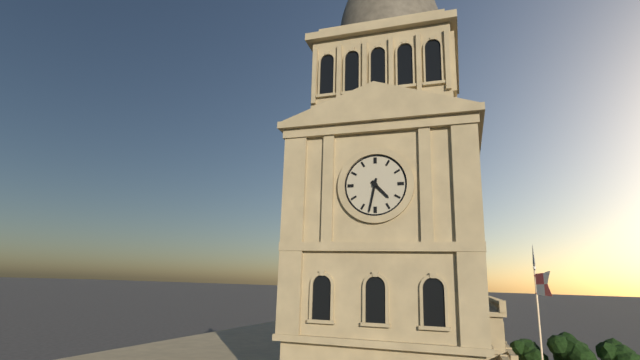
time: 4:32
